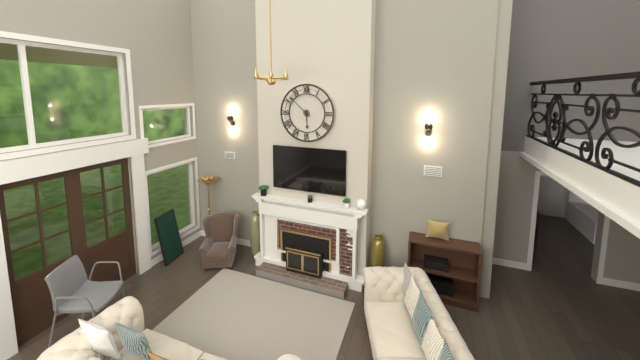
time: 5:52
